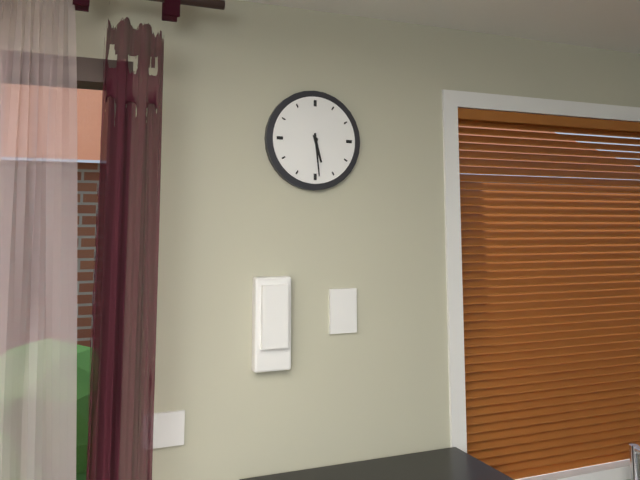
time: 5:29
